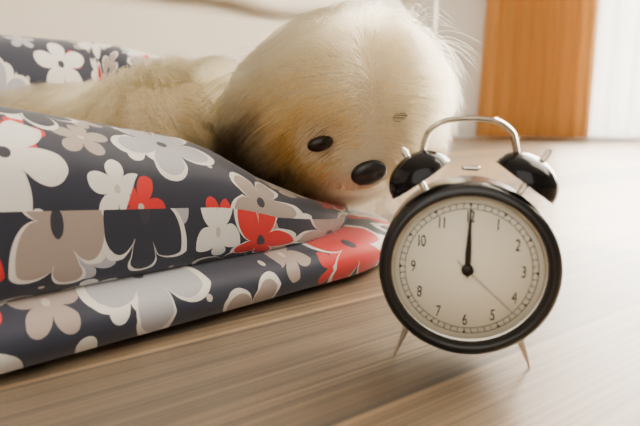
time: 12:00:22
